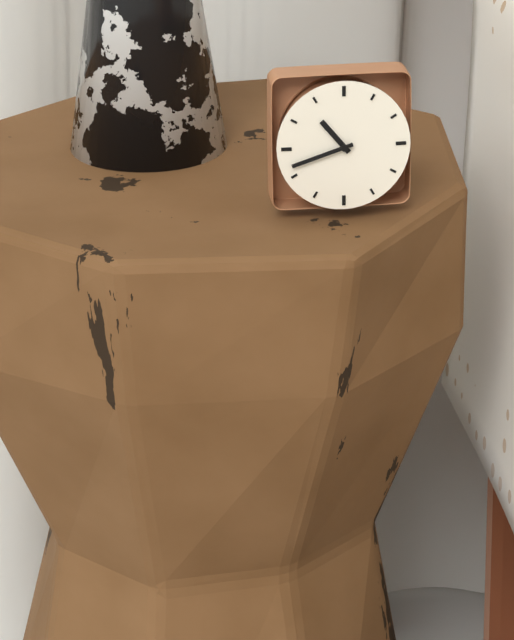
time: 10:42
